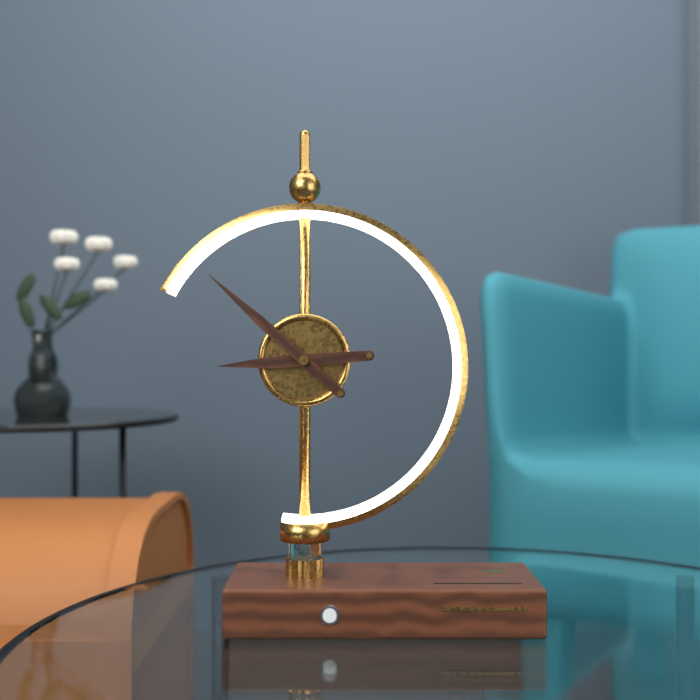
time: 8:52
